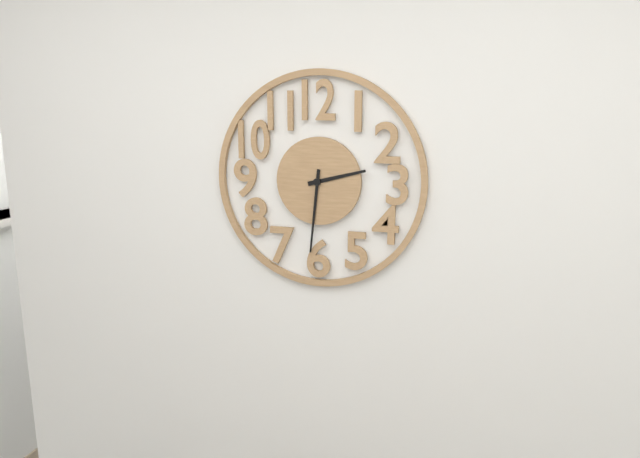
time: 2:31
